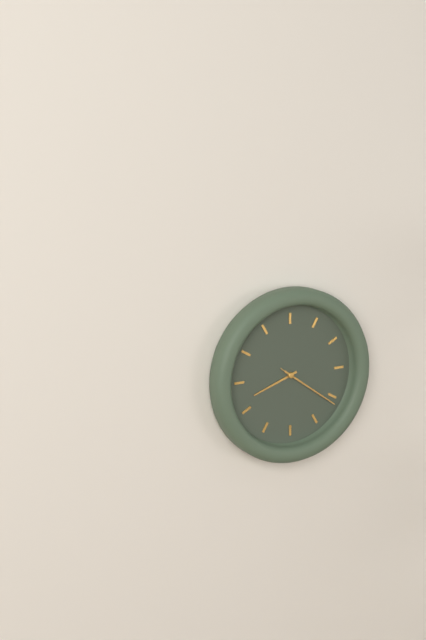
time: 8:21:21
